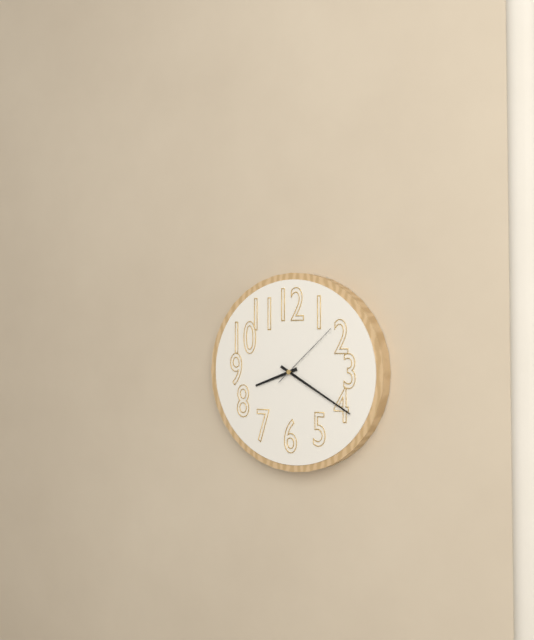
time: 8:20:08
